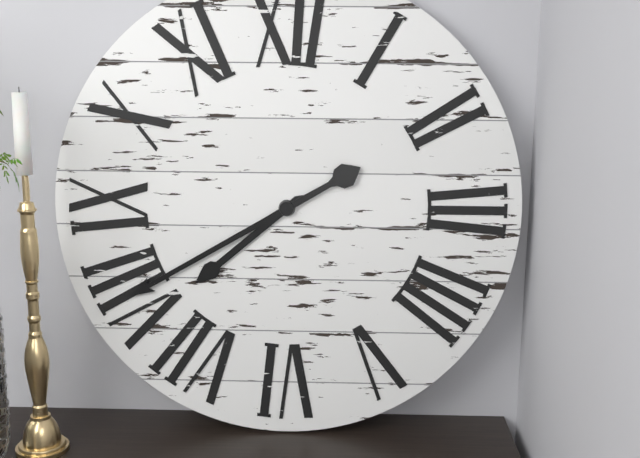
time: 7:40
